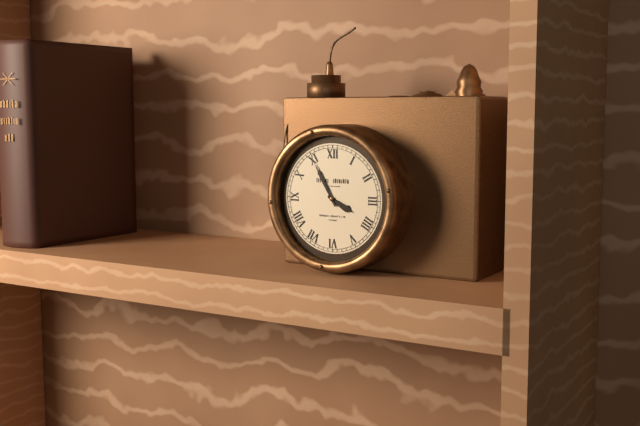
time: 3:55
